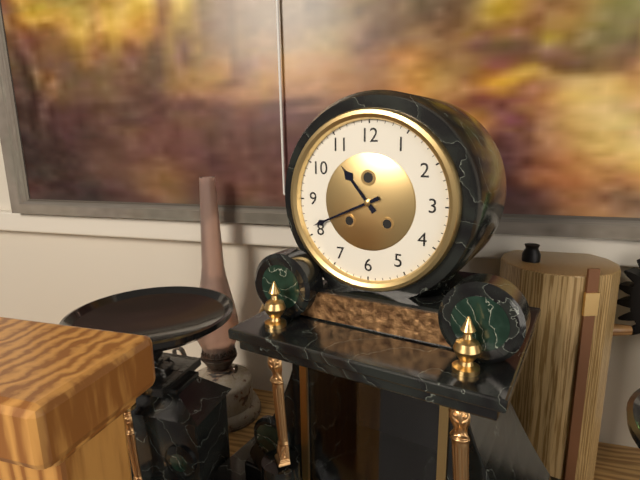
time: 10:41
